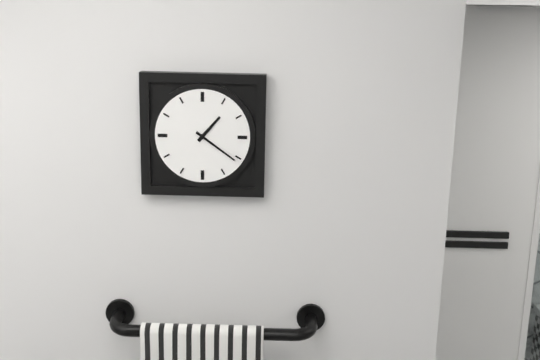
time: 1:21
